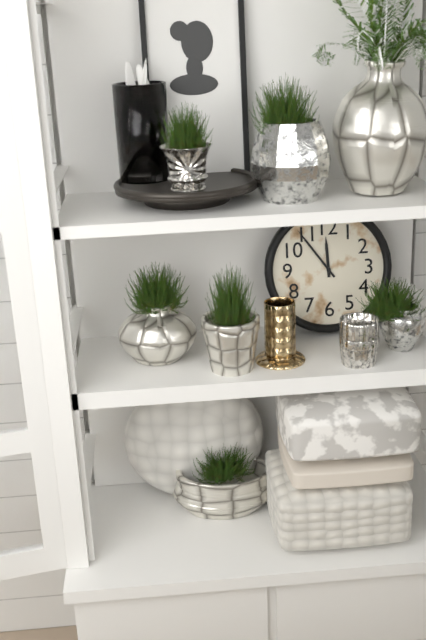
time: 11:54
